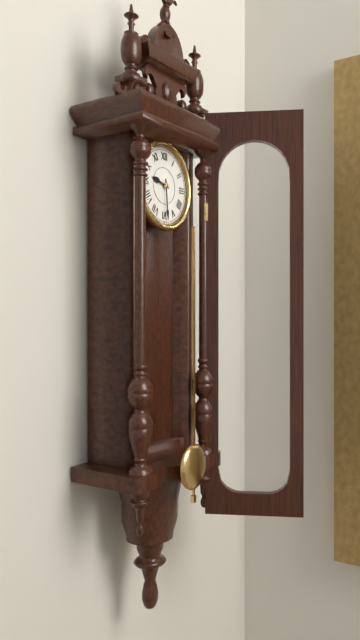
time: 9:29
